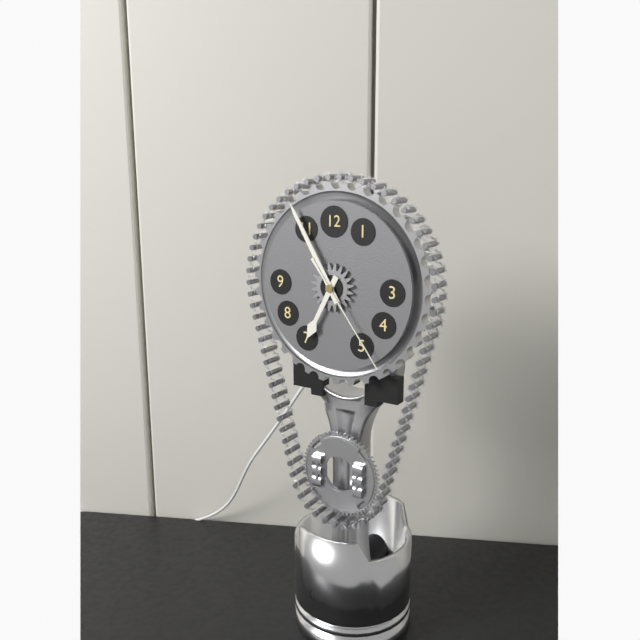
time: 6:55:24
